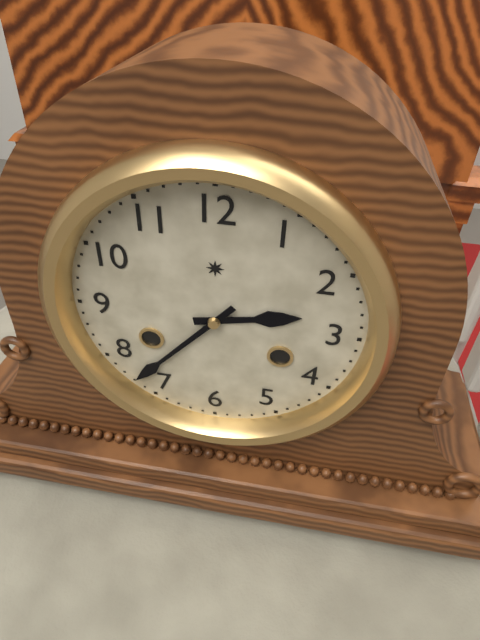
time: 2:37
